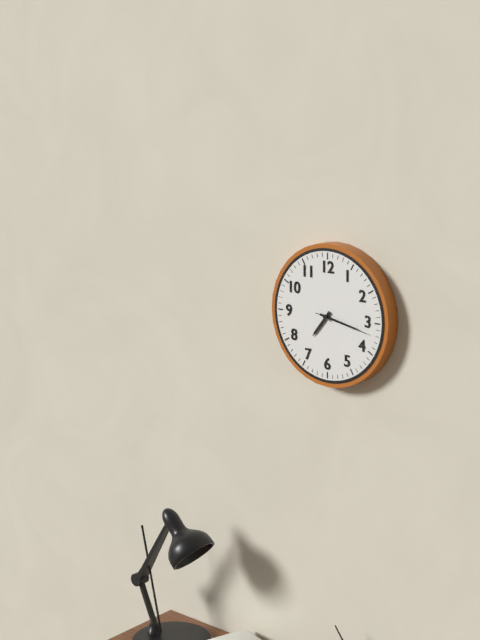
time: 7:17:17
